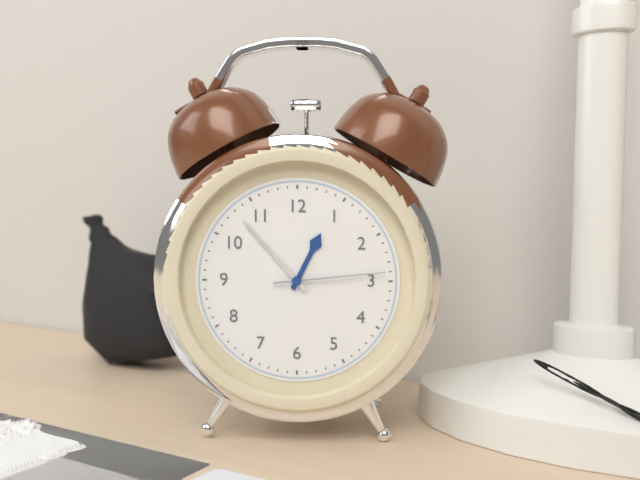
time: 12:53:14
